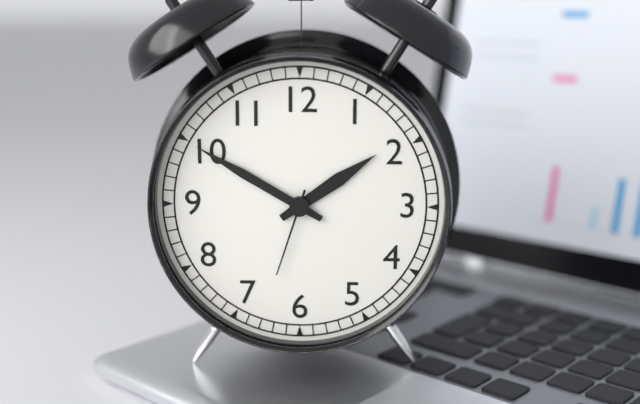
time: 1:50:33
